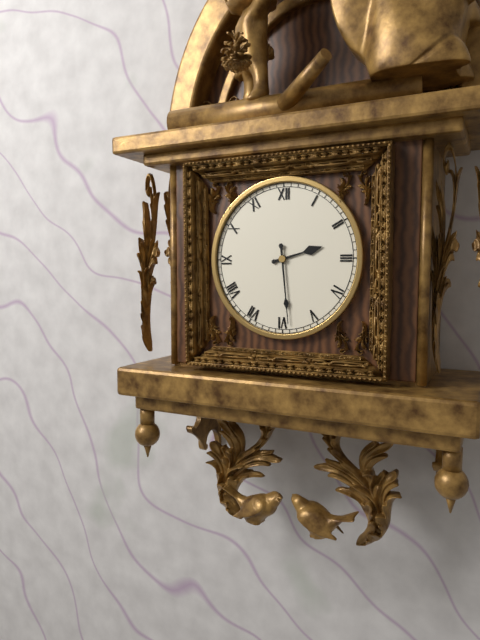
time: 2:29
